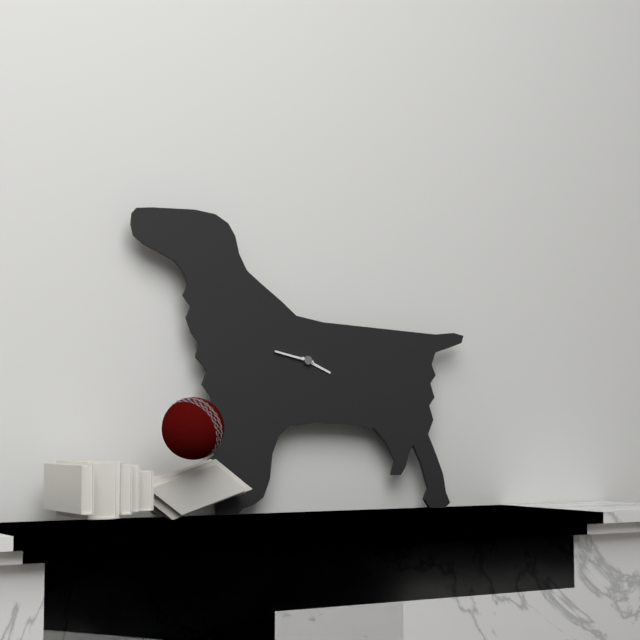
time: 3:47
